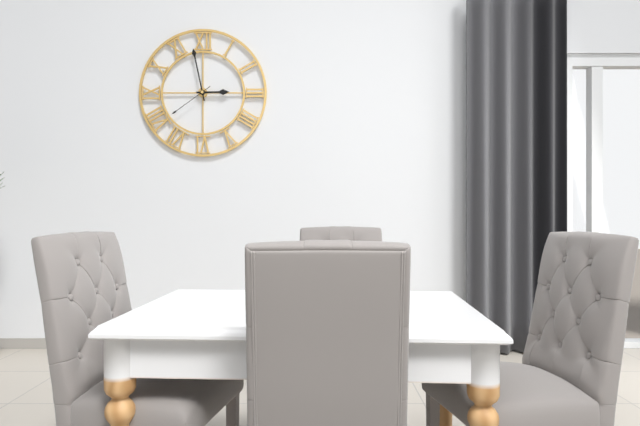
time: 2:58
